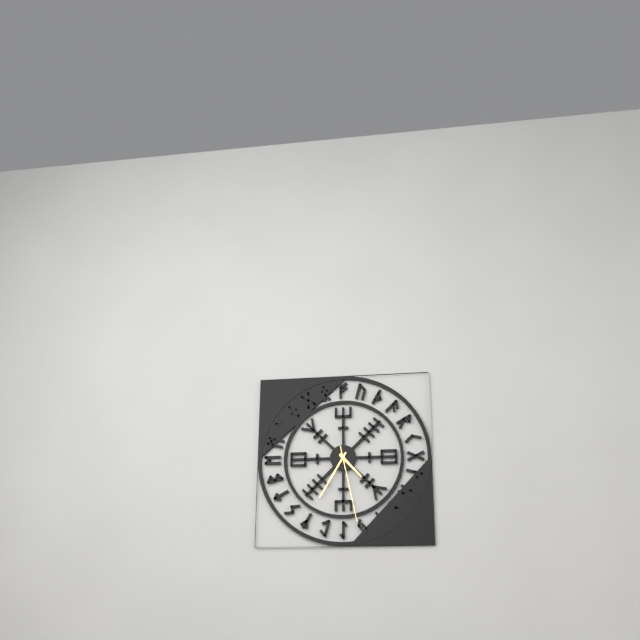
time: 4:35:28
